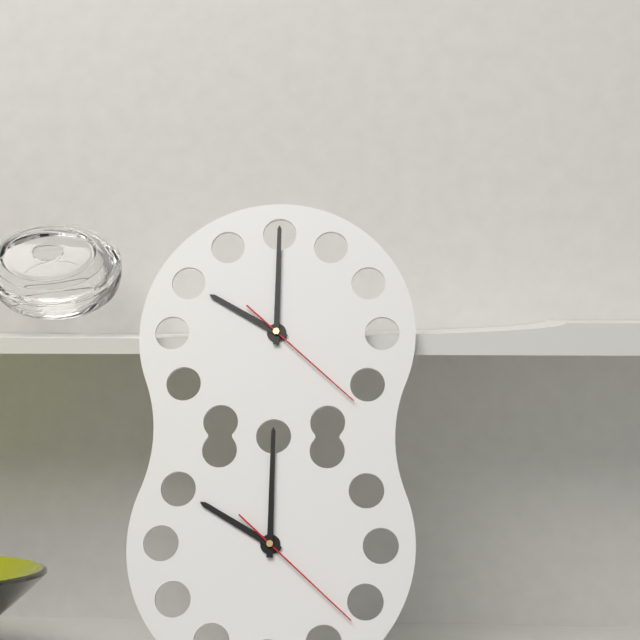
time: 10:00:22
